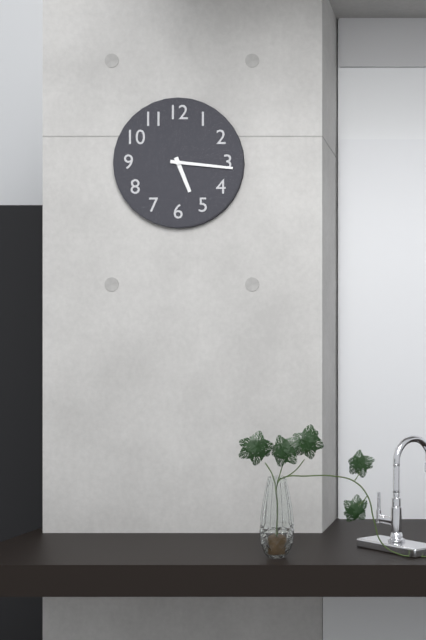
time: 5:16
